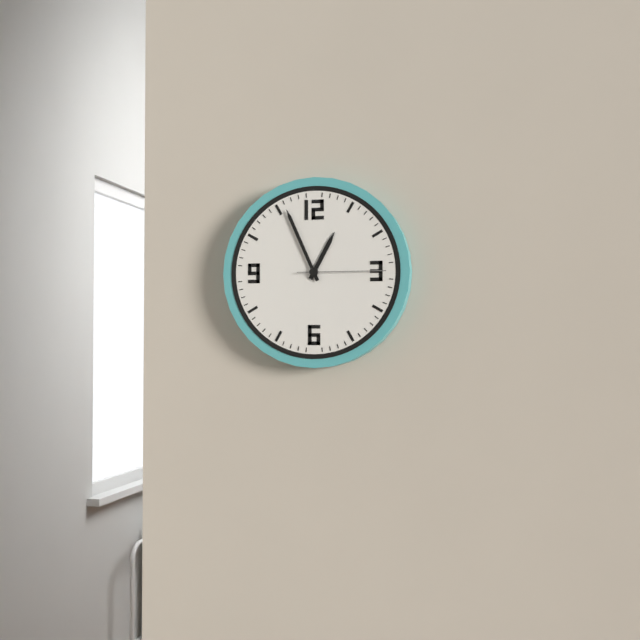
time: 12:56:15
